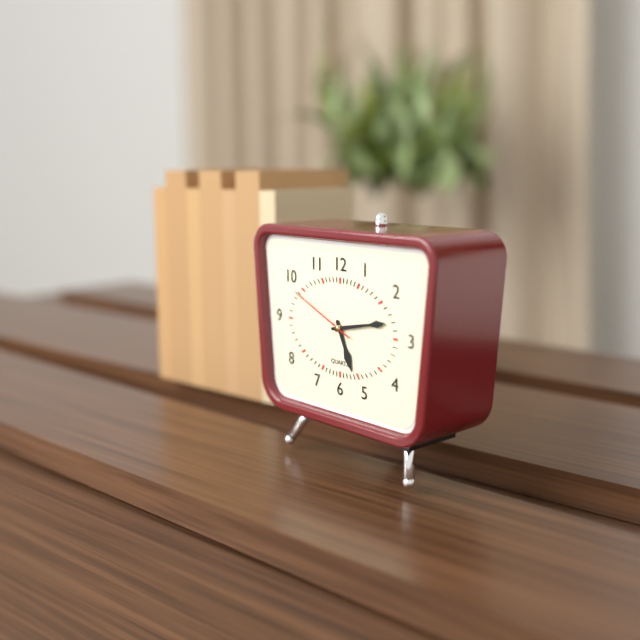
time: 5:13:49
